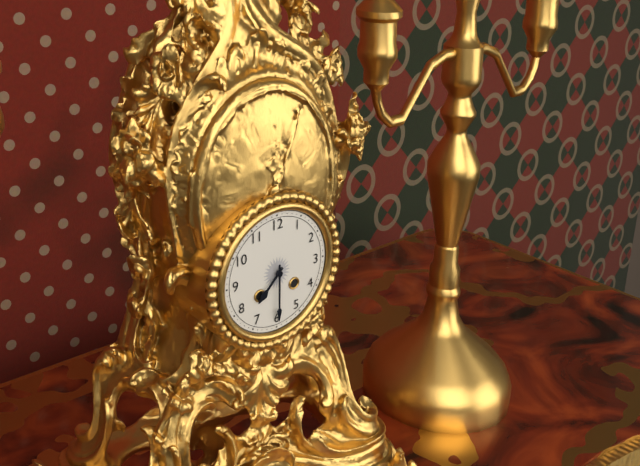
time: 7:30
